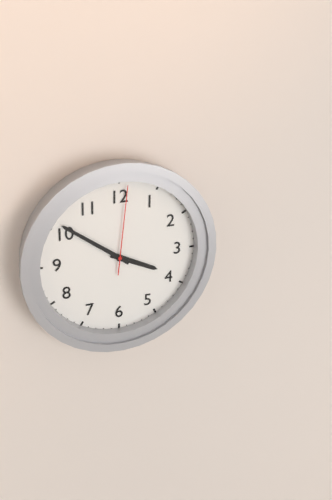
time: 3:51:01
